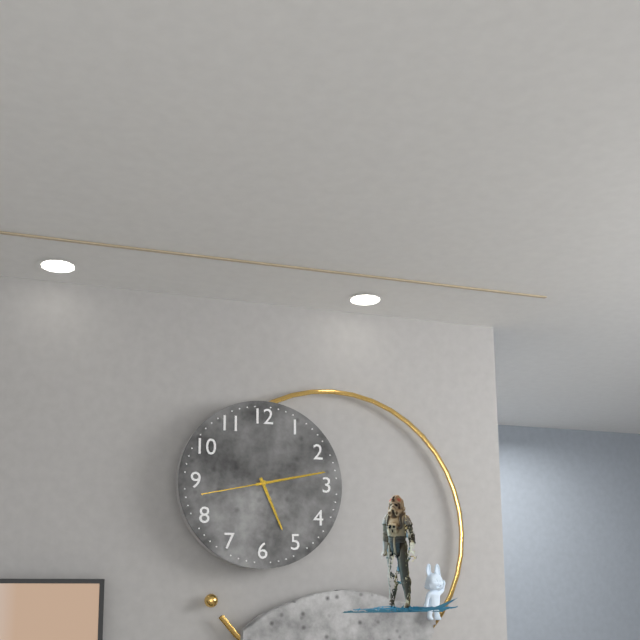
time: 5:13:43
